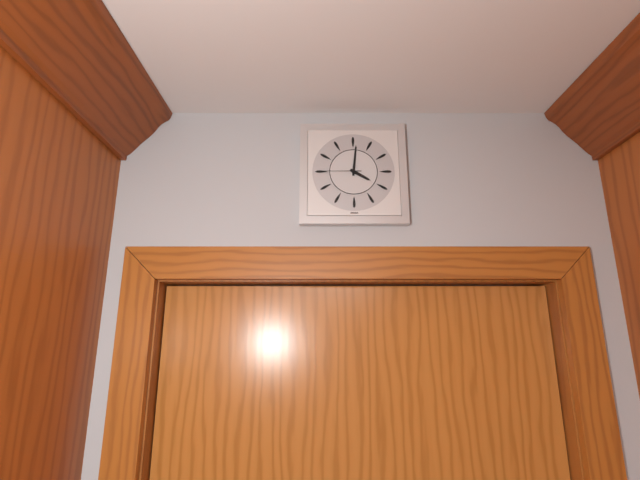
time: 4:01
